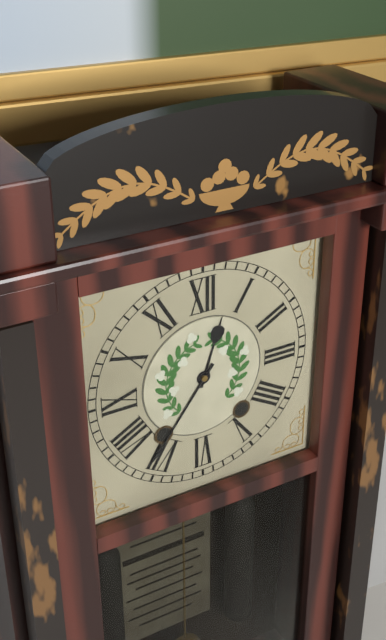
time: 12:36
